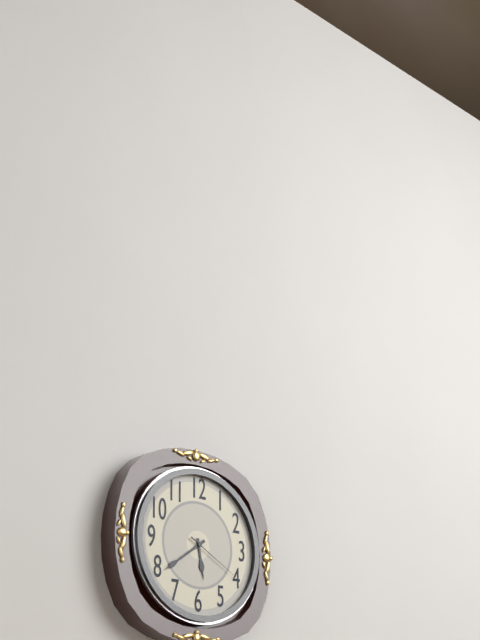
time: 5:39:20
